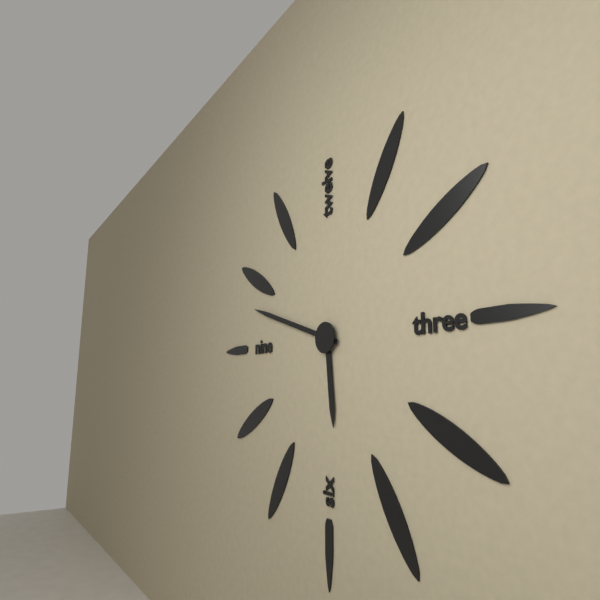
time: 5:48
